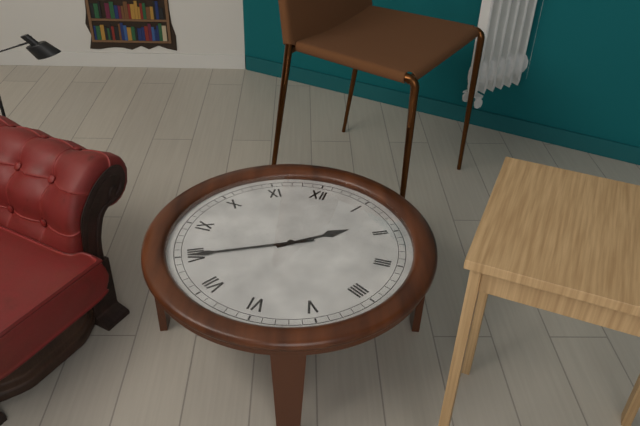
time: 1:40
